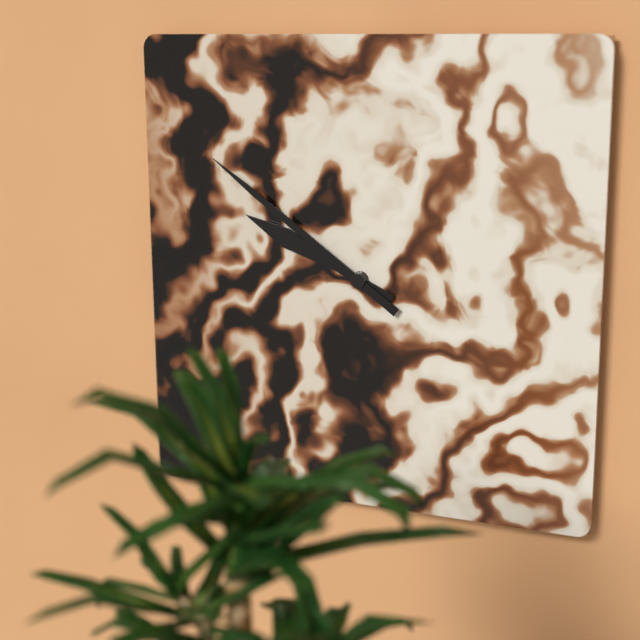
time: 9:51
